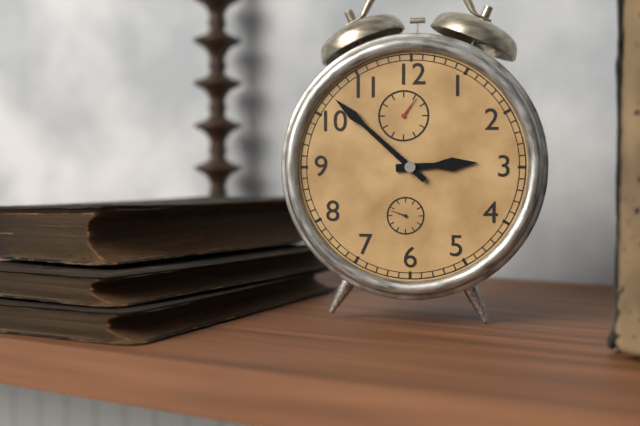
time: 2:52
